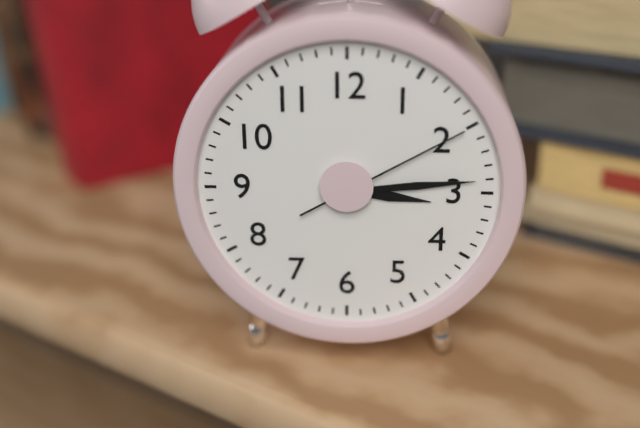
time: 3:14:10
